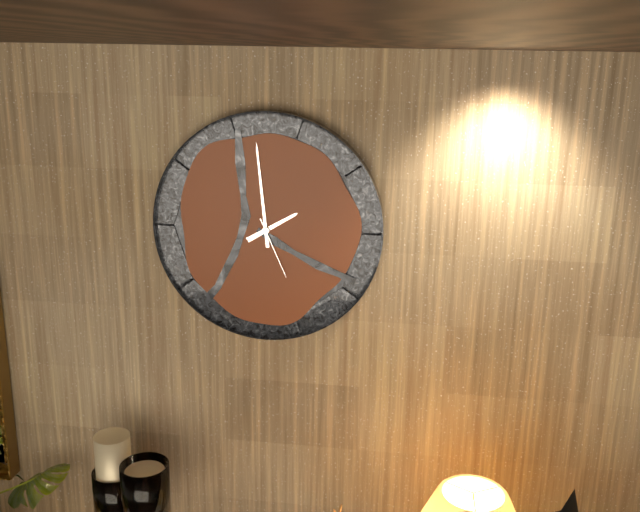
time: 1:59:26
